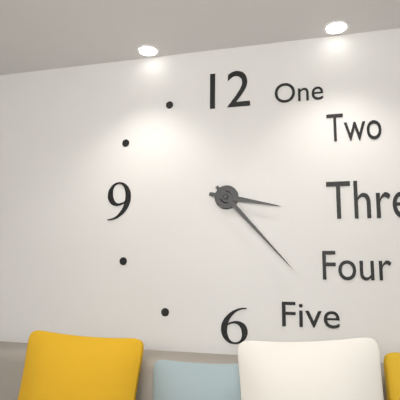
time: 3:23
